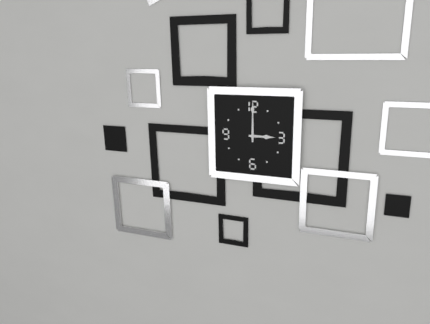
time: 3:00
